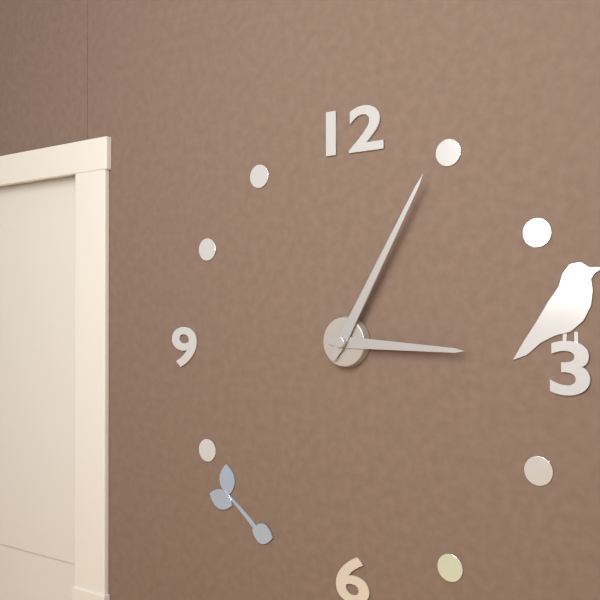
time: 3:05
